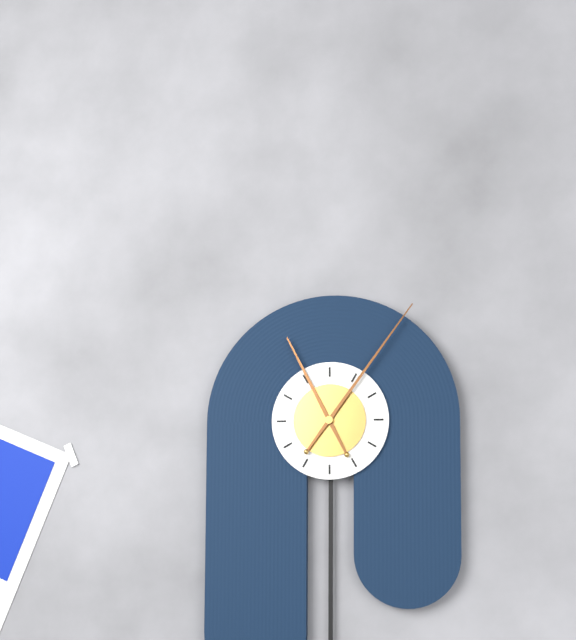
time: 11:06
